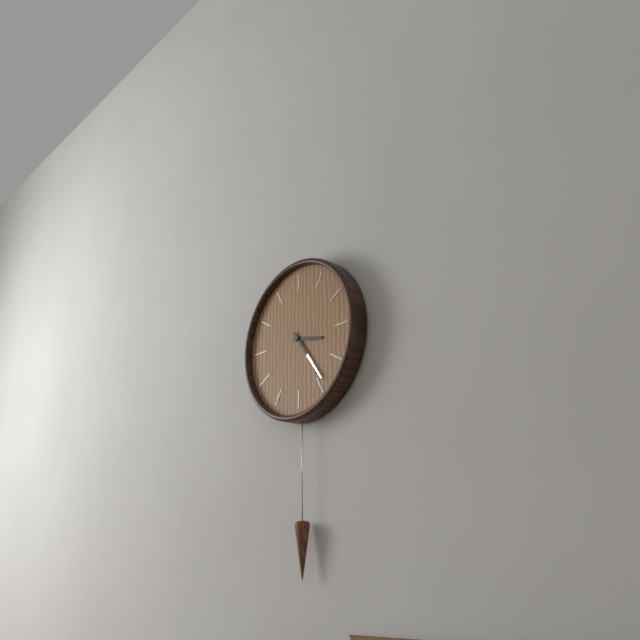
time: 3:24
